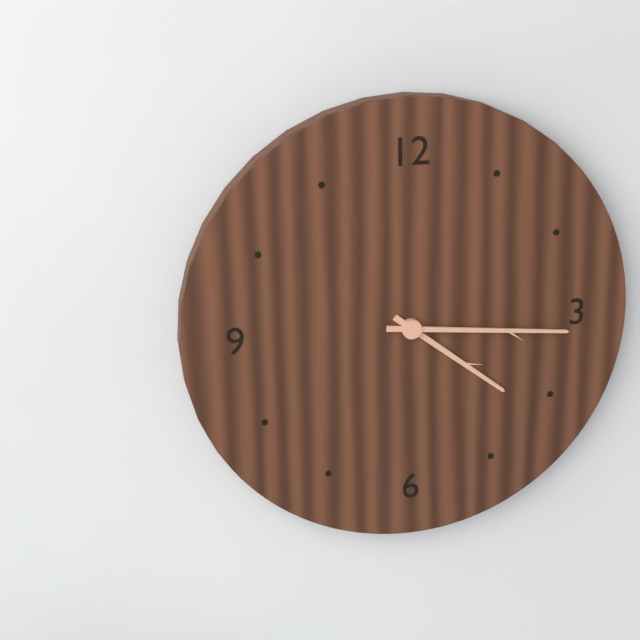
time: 4:16
